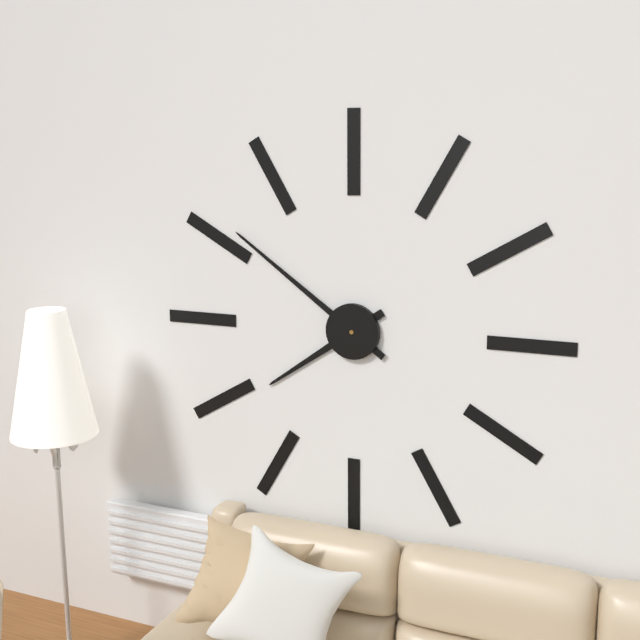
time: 7:51
